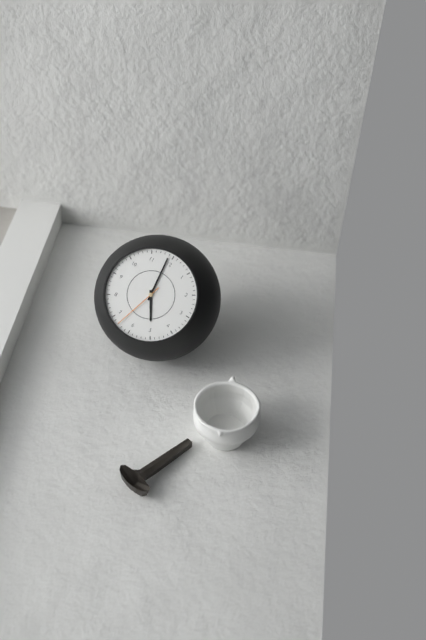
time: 4:59:33
